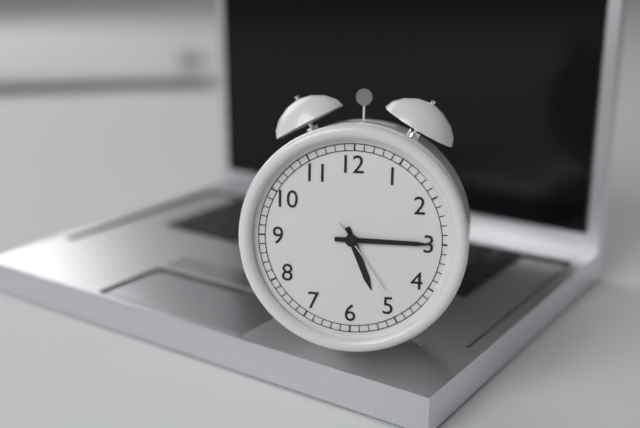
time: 5:15:24
